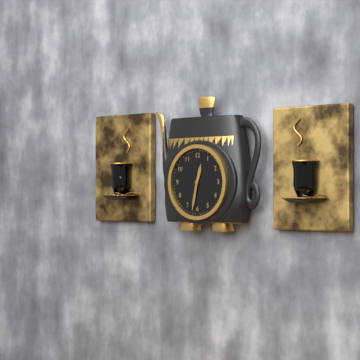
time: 12:32
